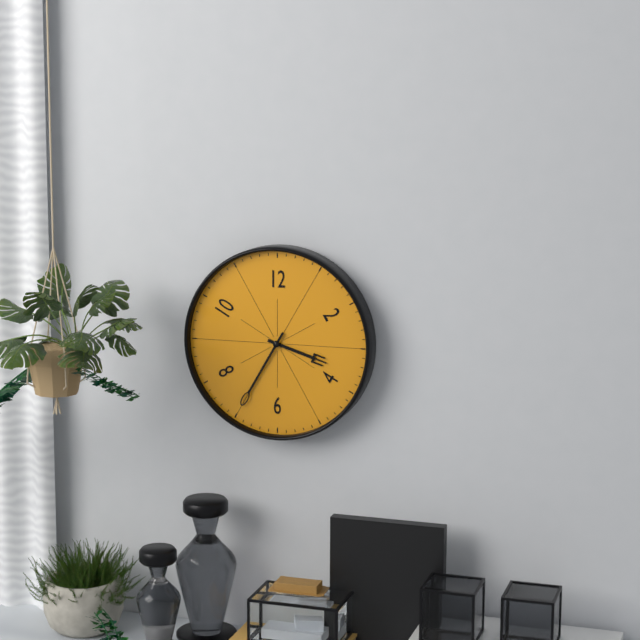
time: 3:35
